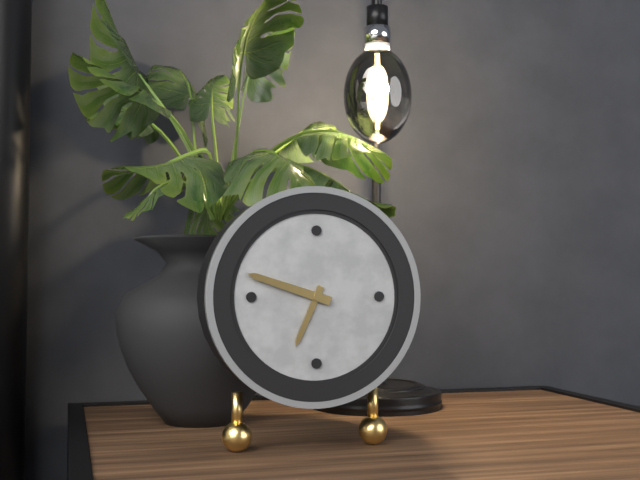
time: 6:48
